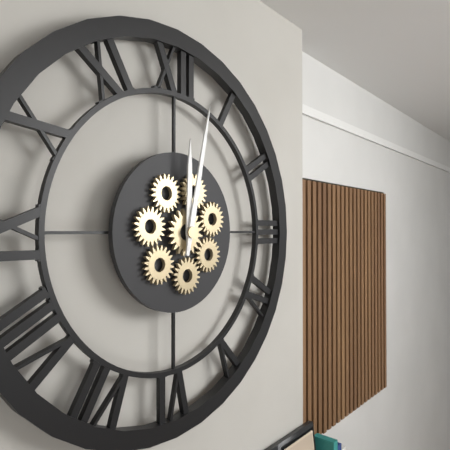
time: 12:02
